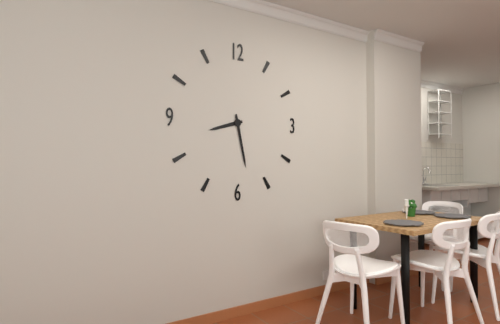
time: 8:28
